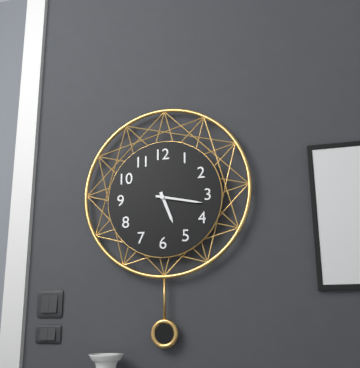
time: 5:17
